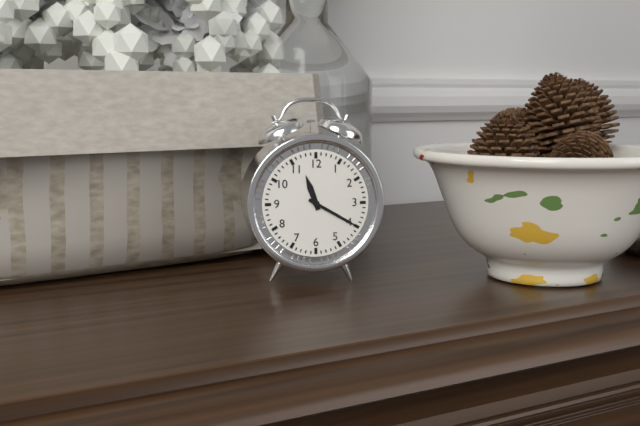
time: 11:20
